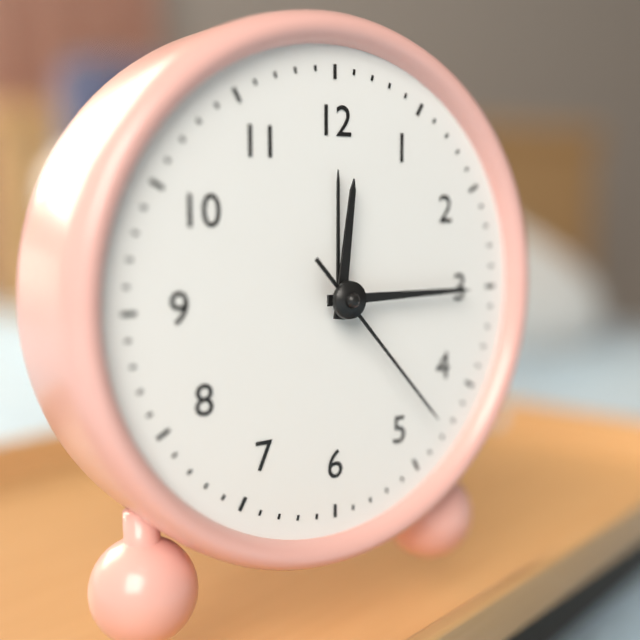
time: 12:15:23
